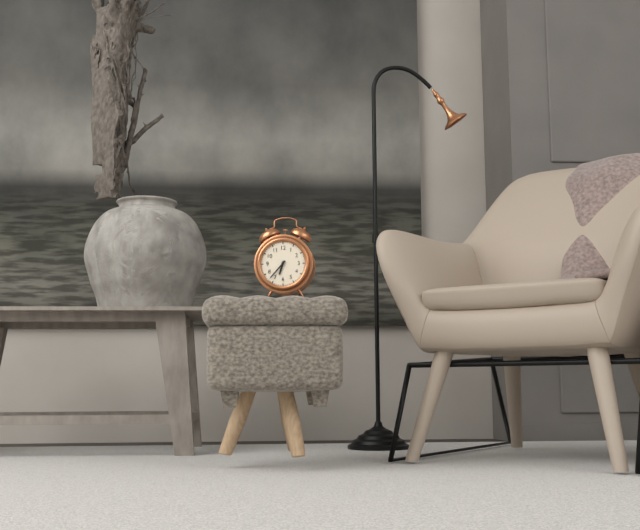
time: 6:37
